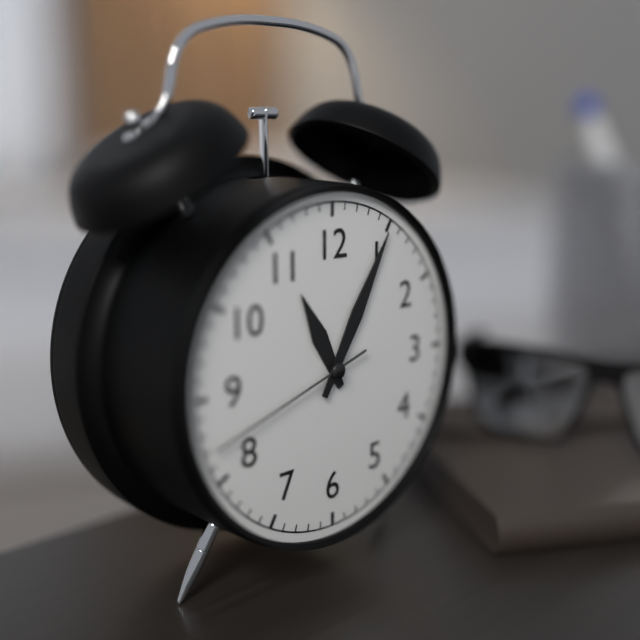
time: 11:05:42
